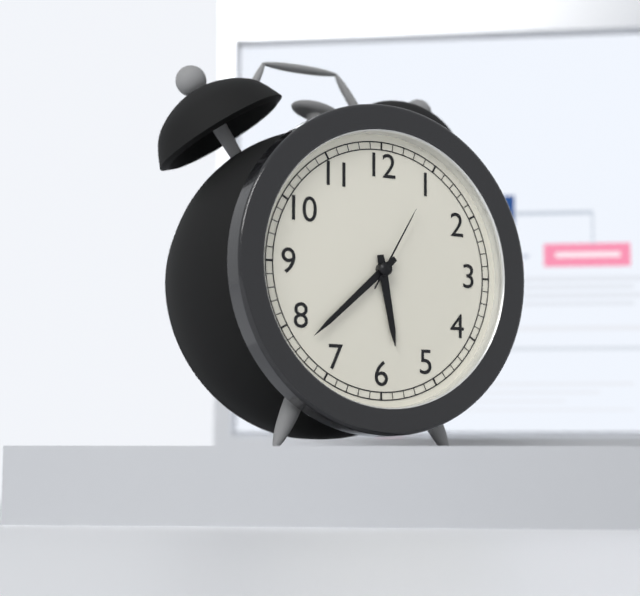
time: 5:38:05
